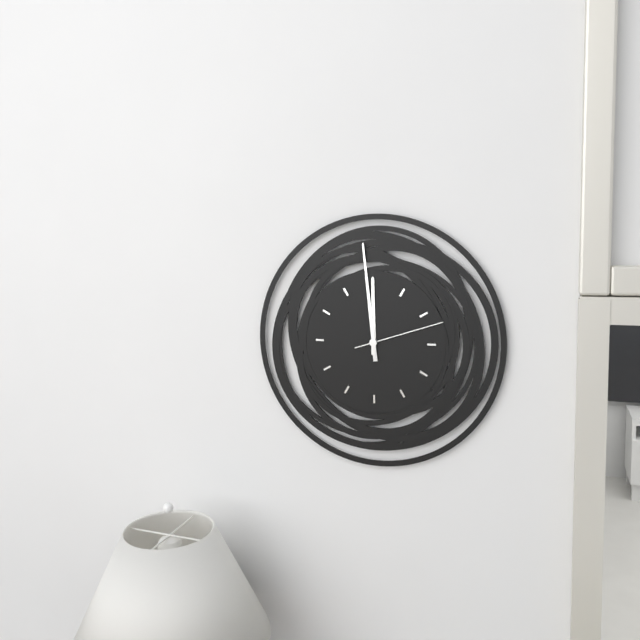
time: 11:59:12
